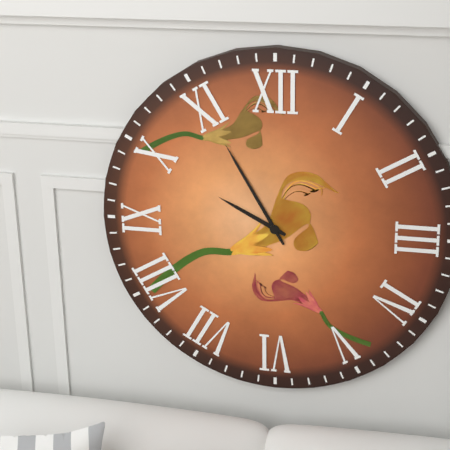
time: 9:55
